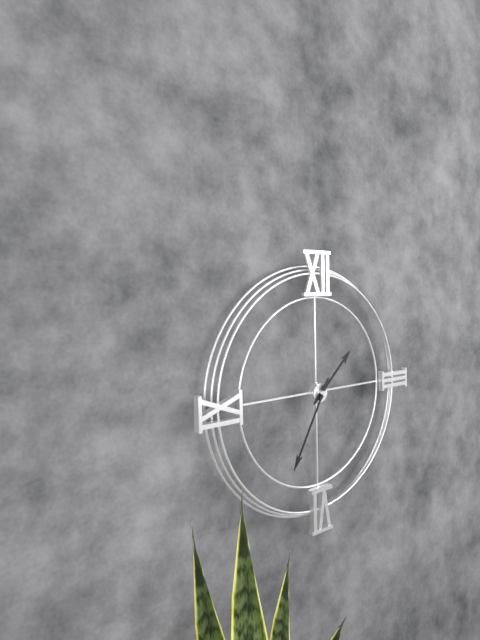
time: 1:35
